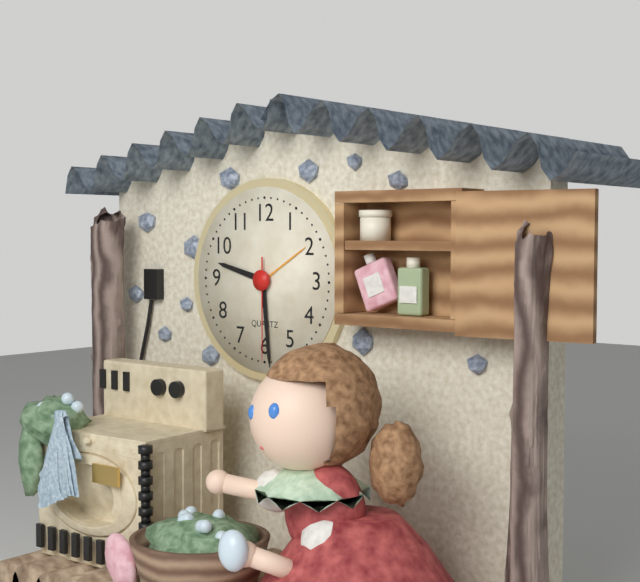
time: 9:29:30
